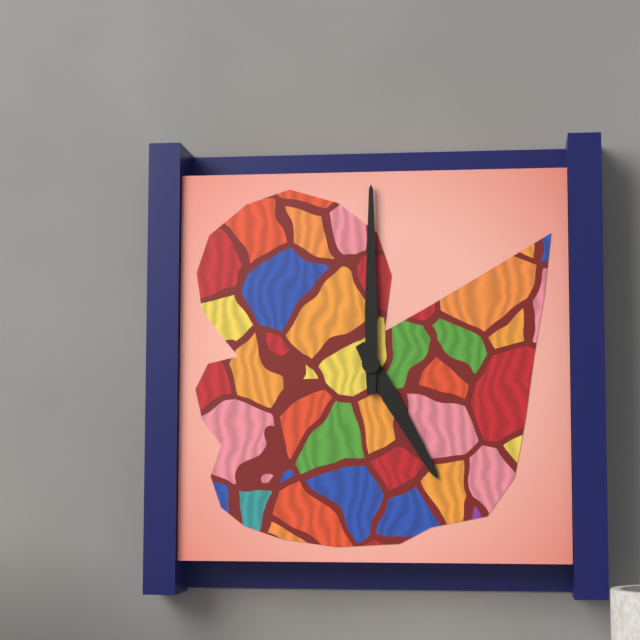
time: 5:00
